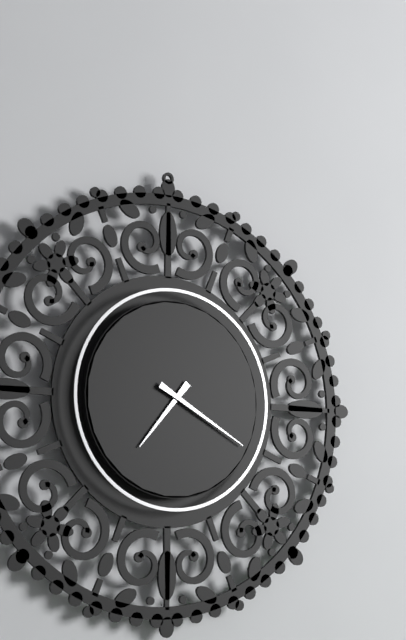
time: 7:20
